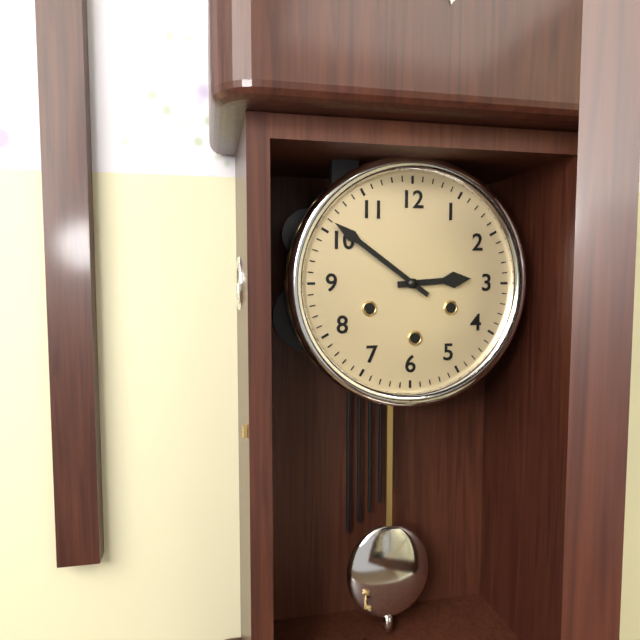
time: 2:51
